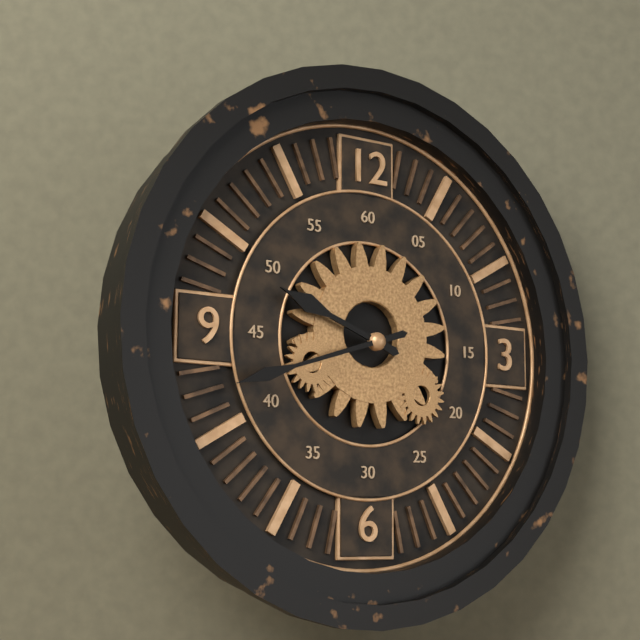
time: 9:42
